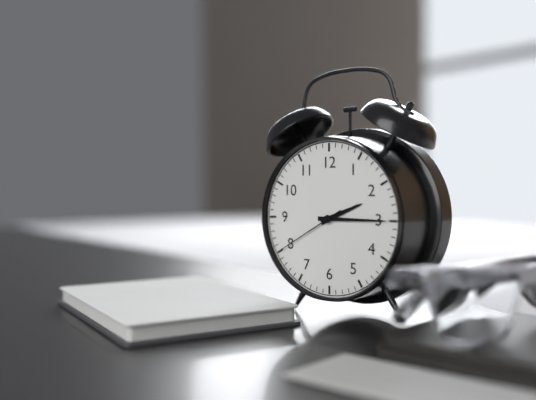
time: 2:15:40
